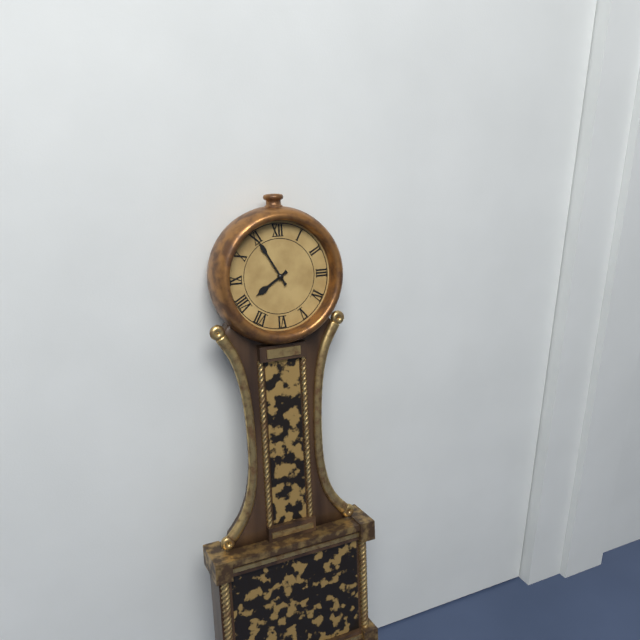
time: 7:55
